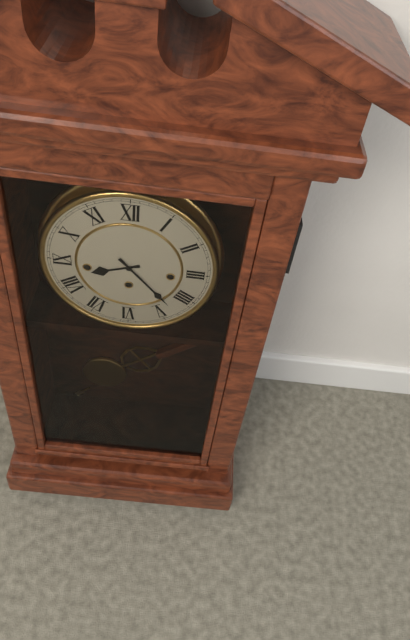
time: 8:23
